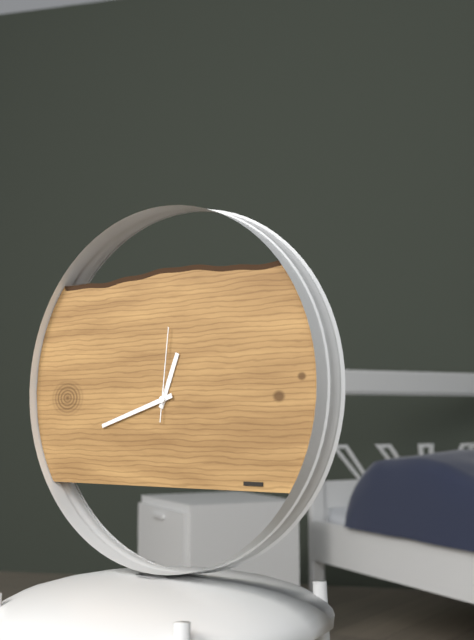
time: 12:42:01
